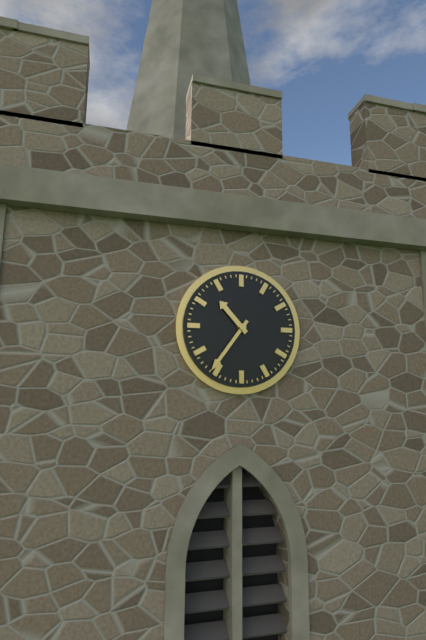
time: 10:36
